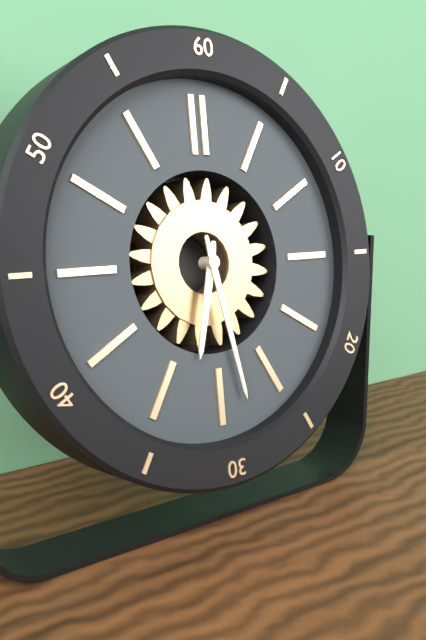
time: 6:28
